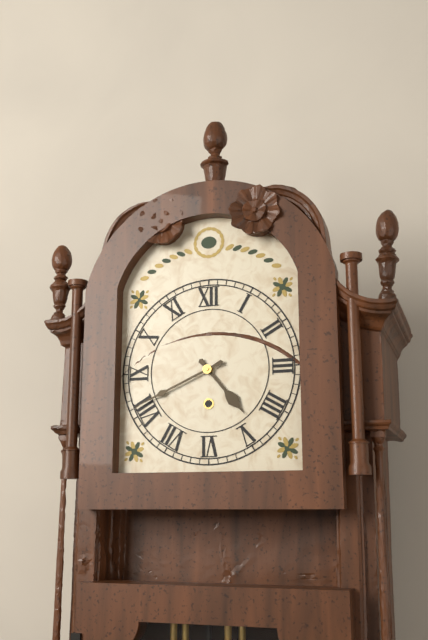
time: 4:41
